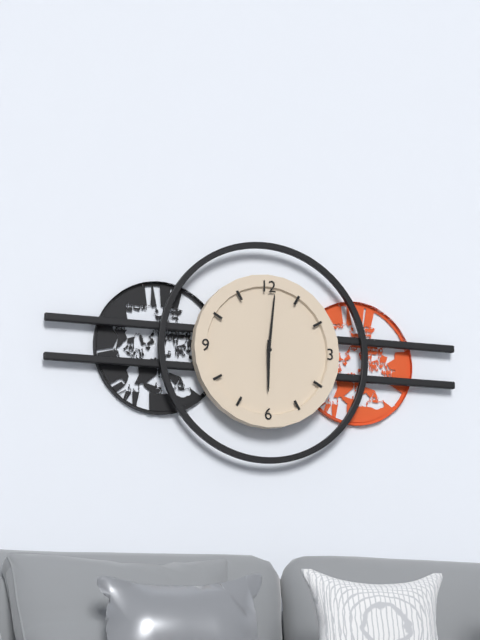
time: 6:01
